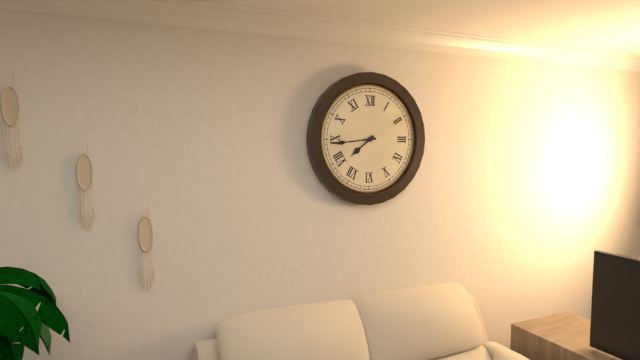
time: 7:44
